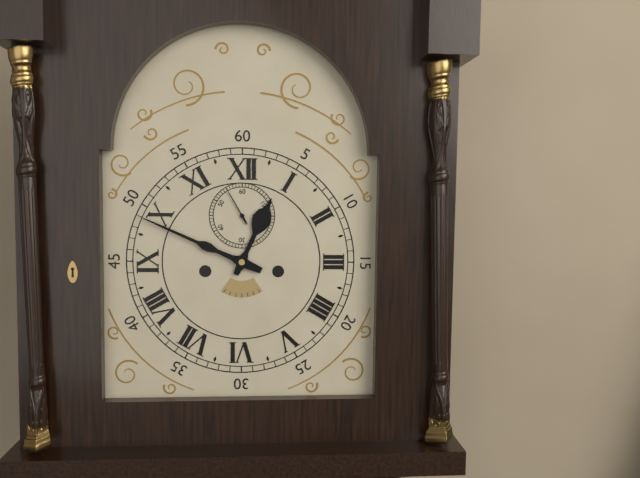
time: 12:49
